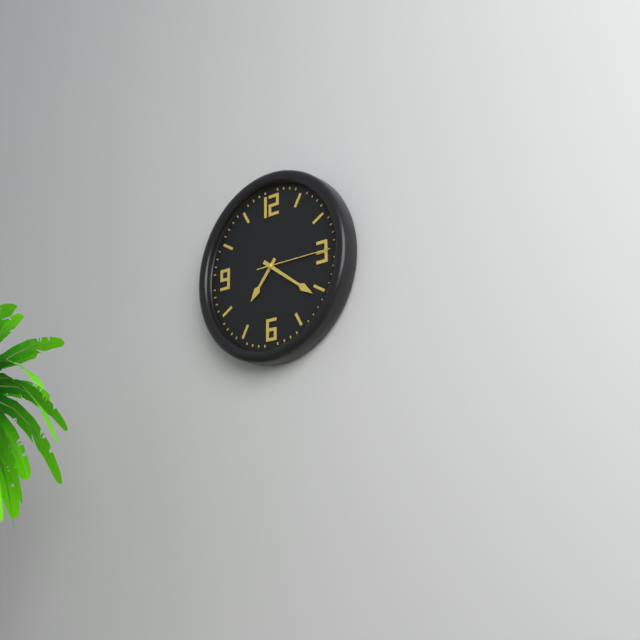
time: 7:21:15
